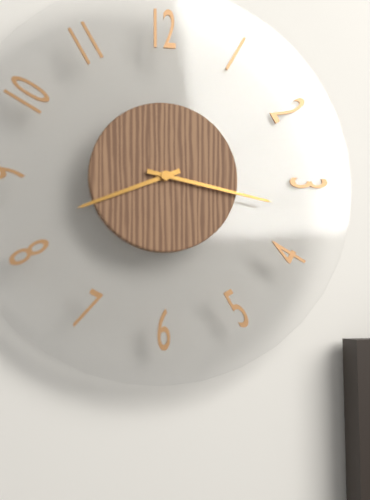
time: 8:17
